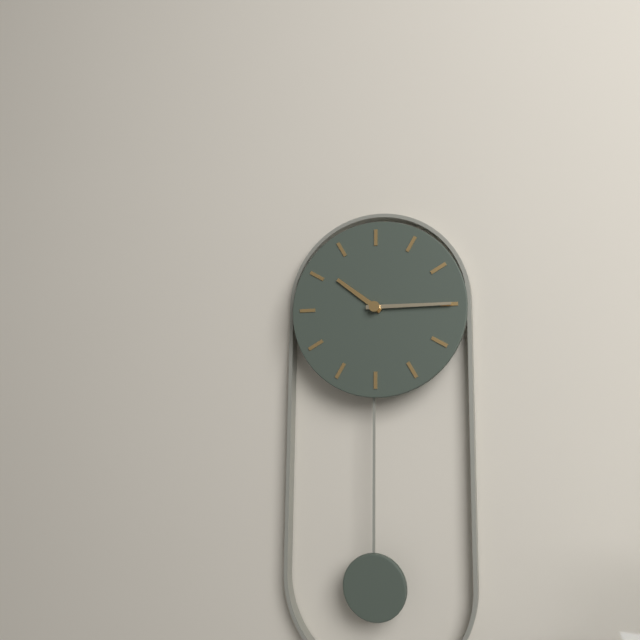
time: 10:15
